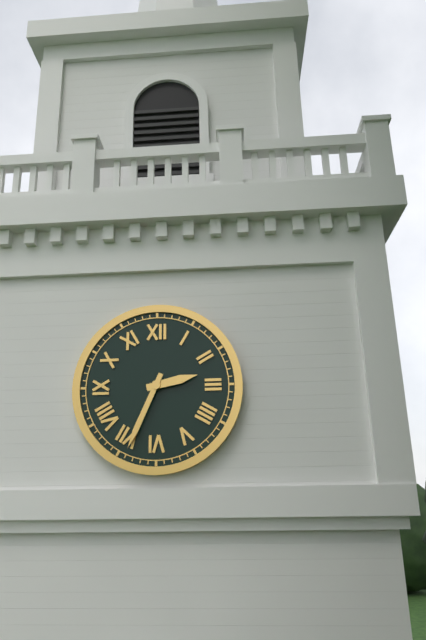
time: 2:34
